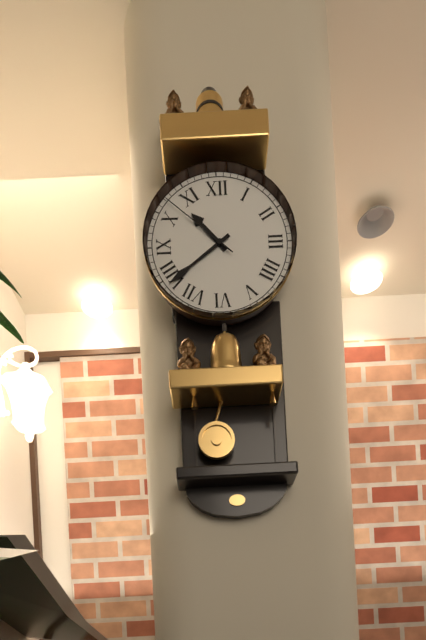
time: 10:39:52
